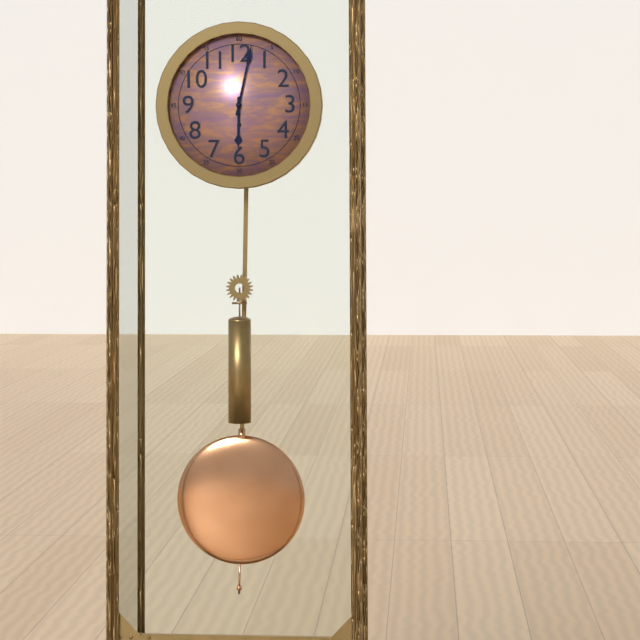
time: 6:02
